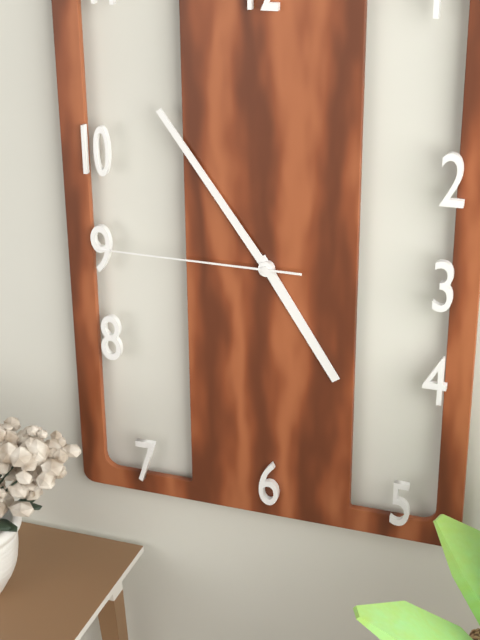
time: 4:54:45
